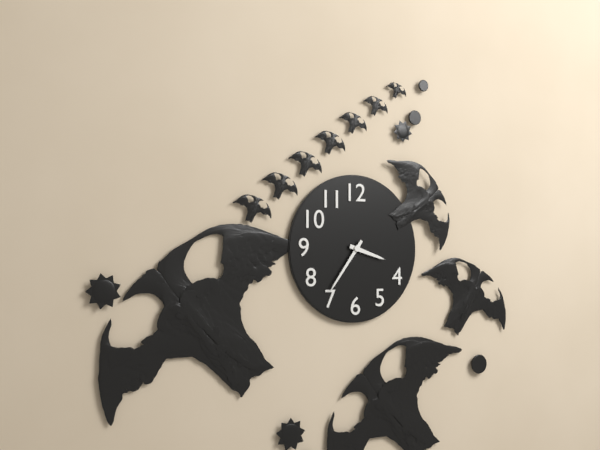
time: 3:36
